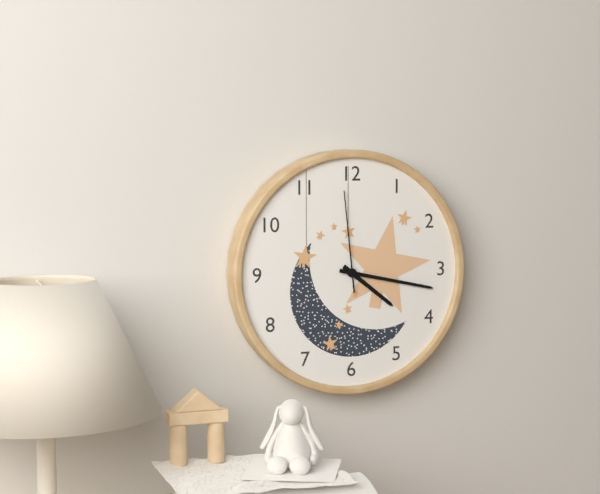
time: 4:17:59
